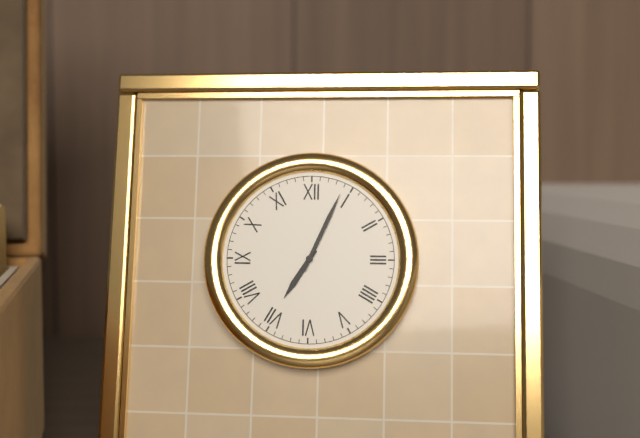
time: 7:04
